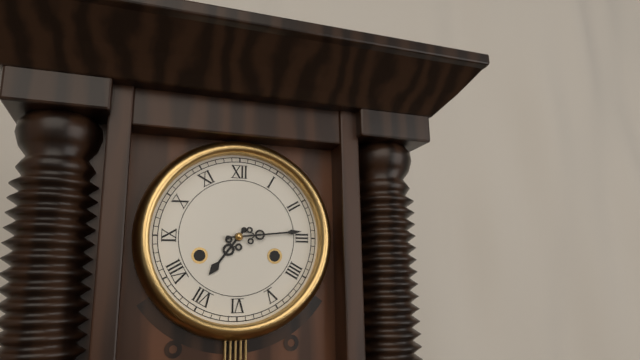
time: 7:14
